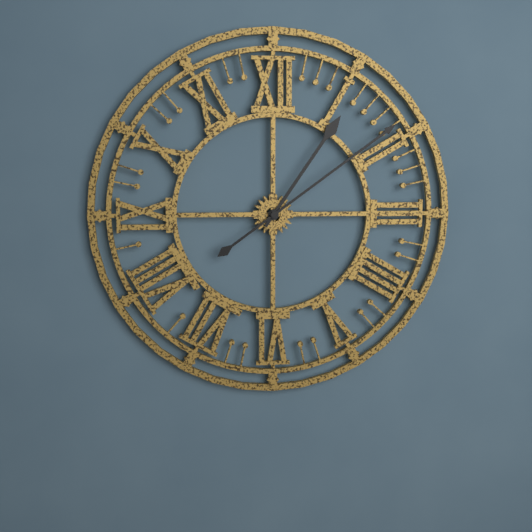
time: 1:09
